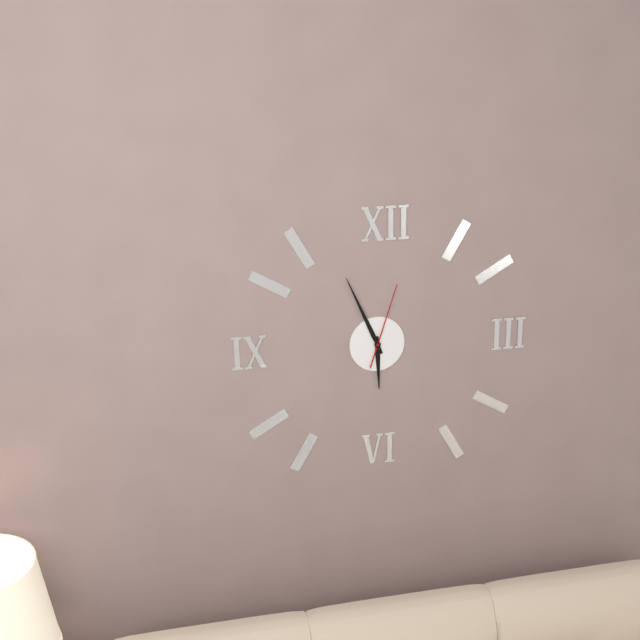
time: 5:56:03
